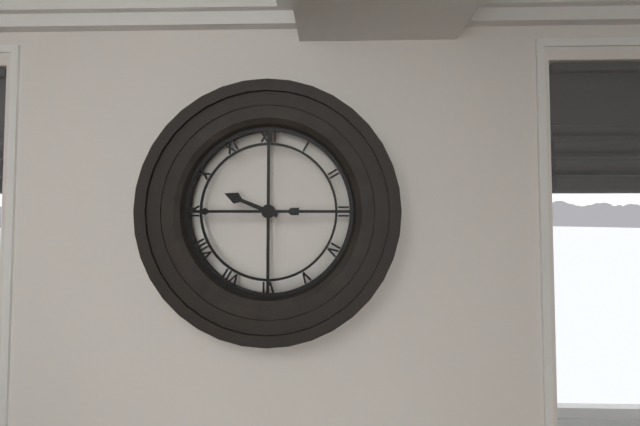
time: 9:45
